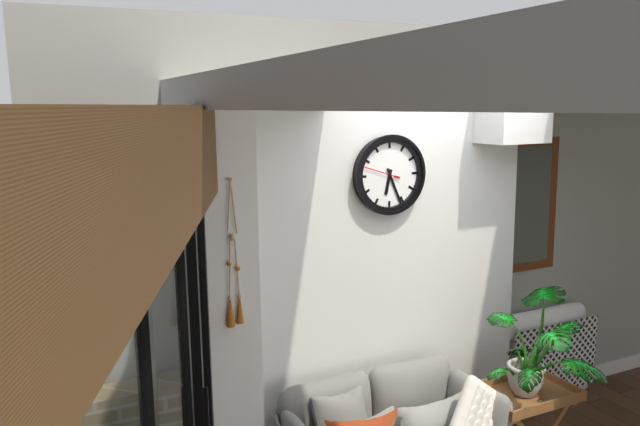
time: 6:26
